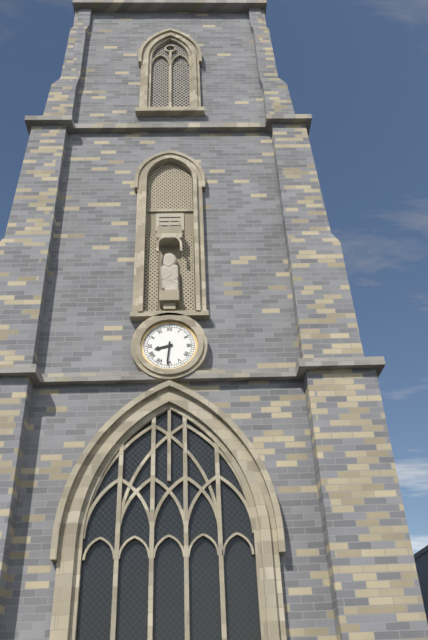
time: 8:31
